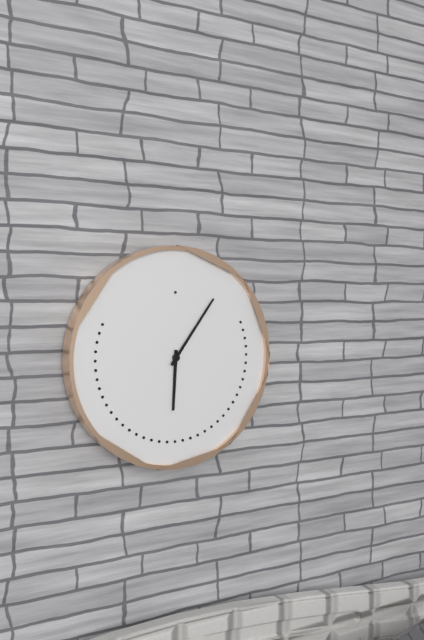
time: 6:06
